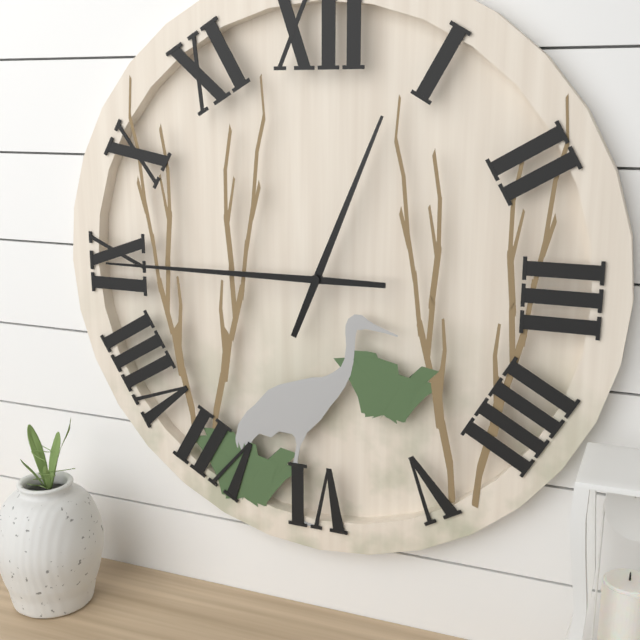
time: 12:45
